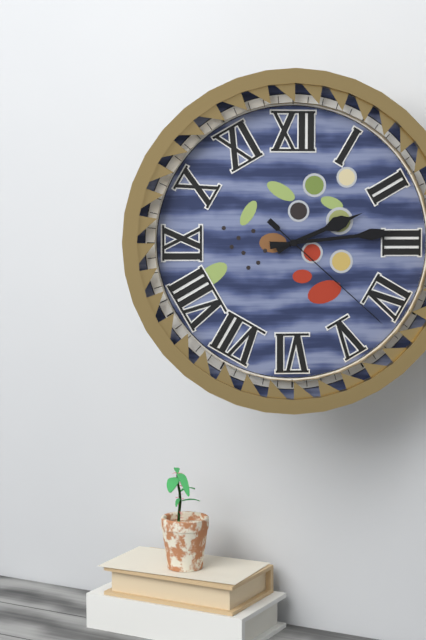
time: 2:14:22
